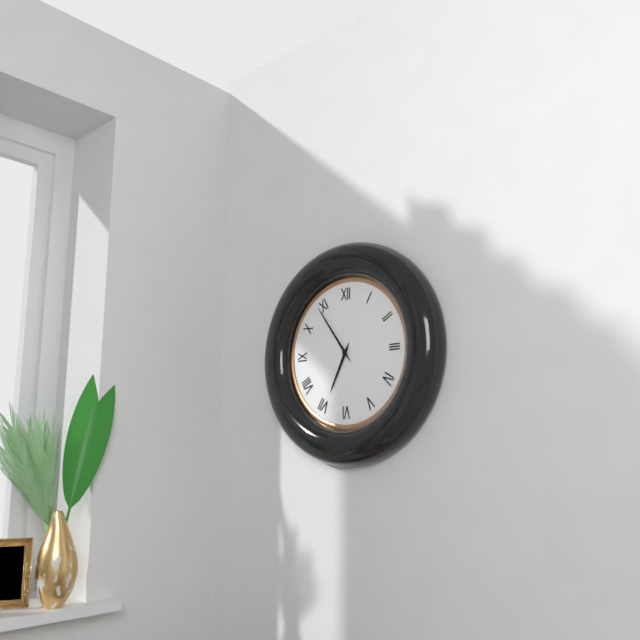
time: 6:54
